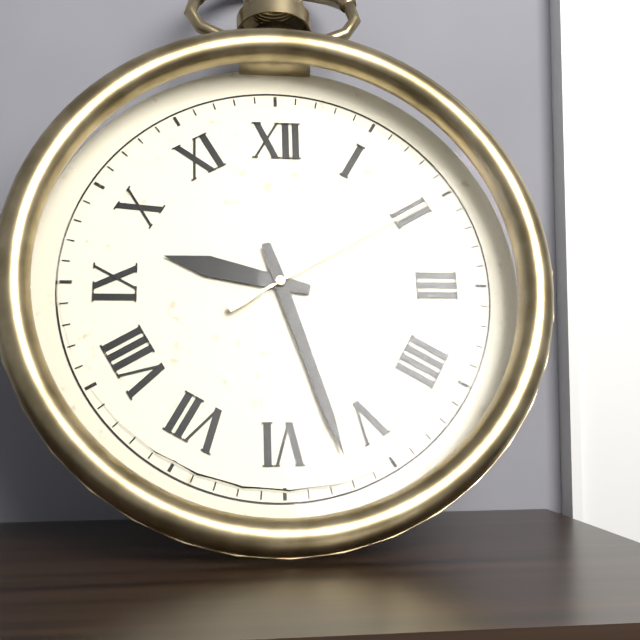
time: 9:27:10
